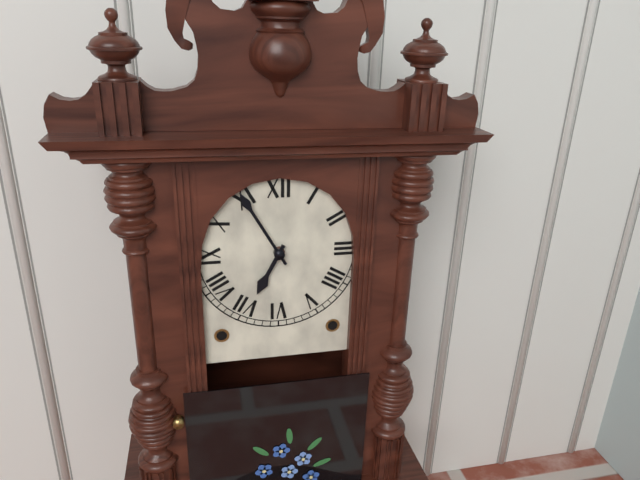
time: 6:55
